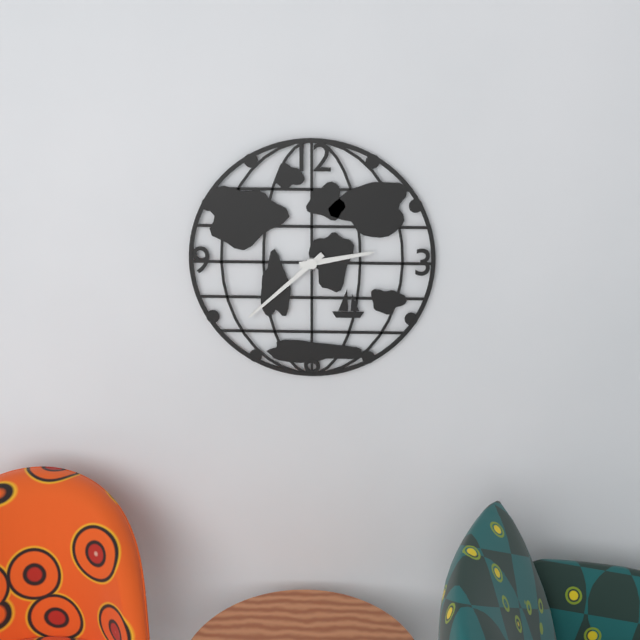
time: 2:38
